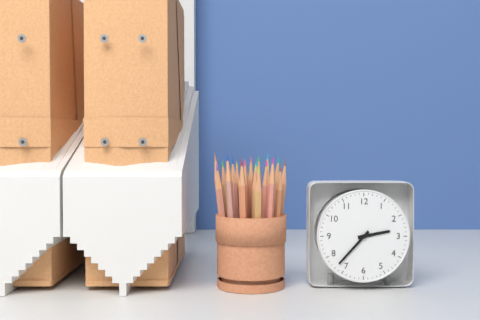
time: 2:37
